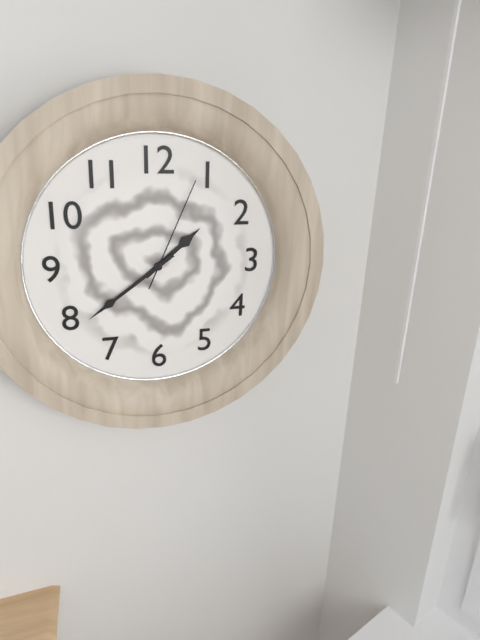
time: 1:39:04
